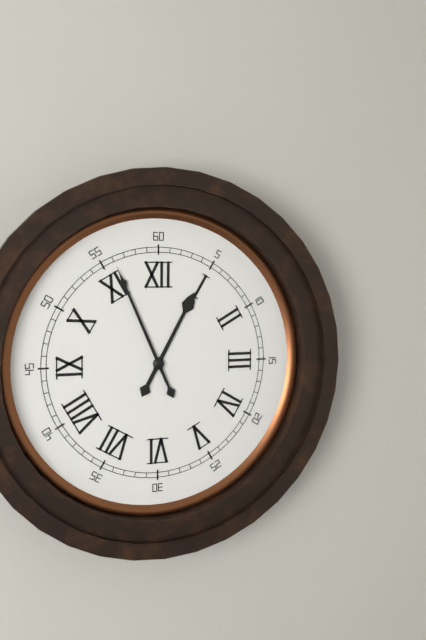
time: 12:56
